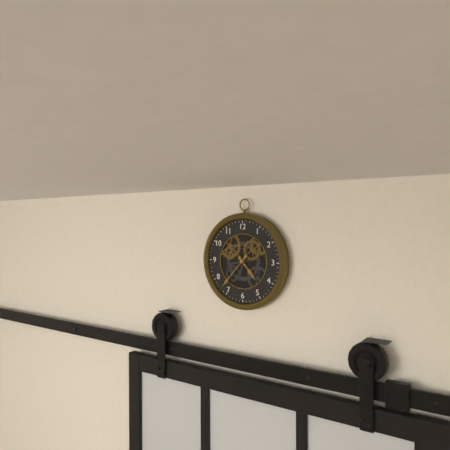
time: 4:37
